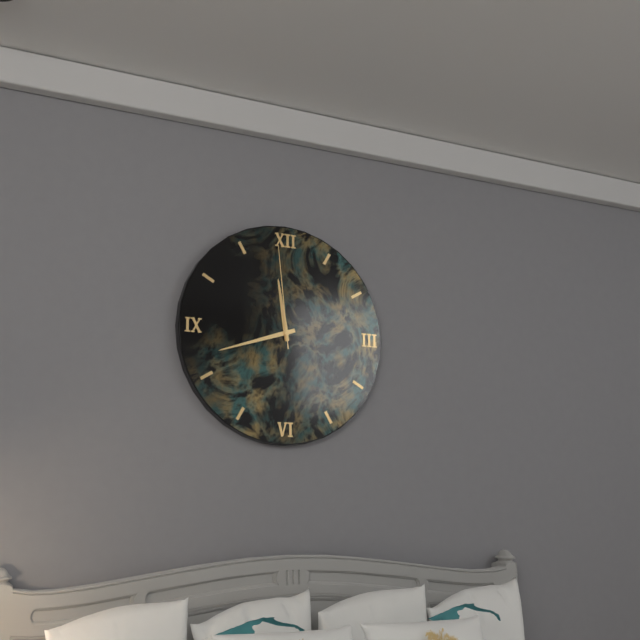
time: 11:42:59
